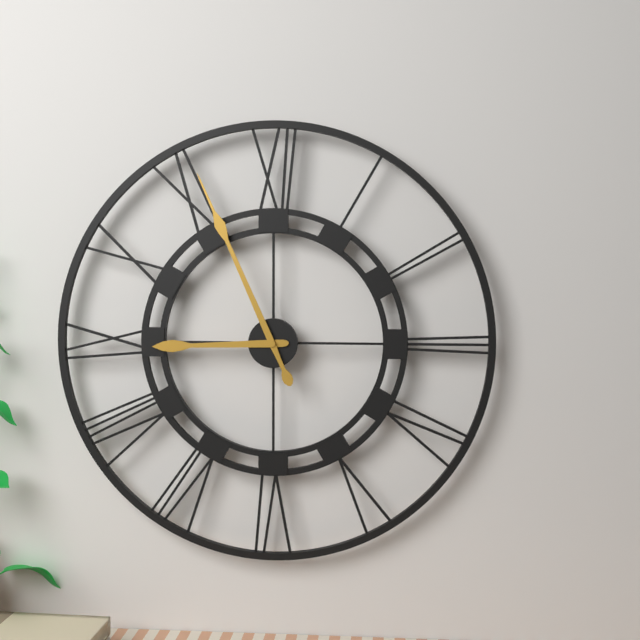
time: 8:56
